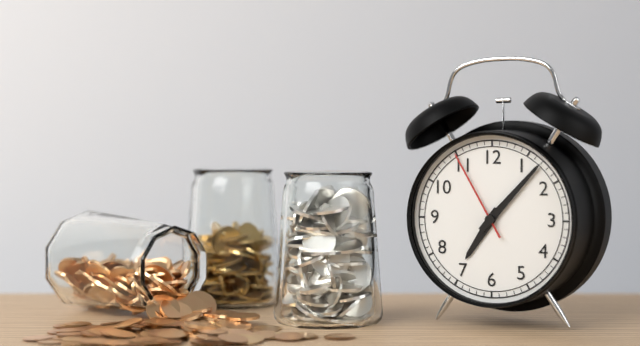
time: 7:07:55
